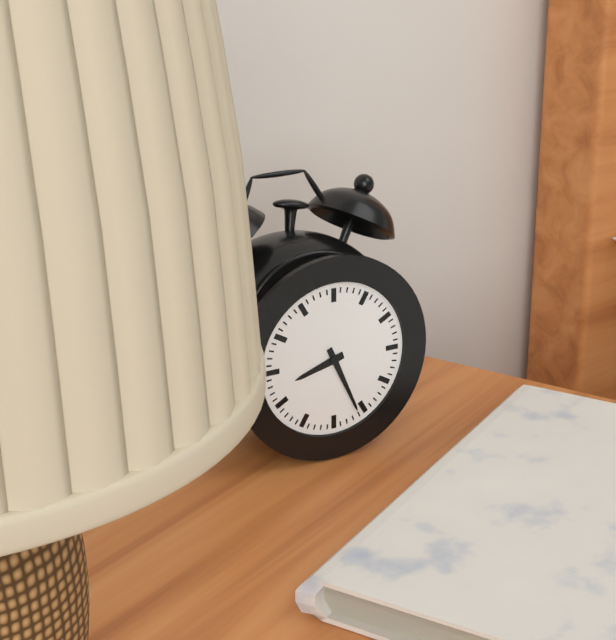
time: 8:26
